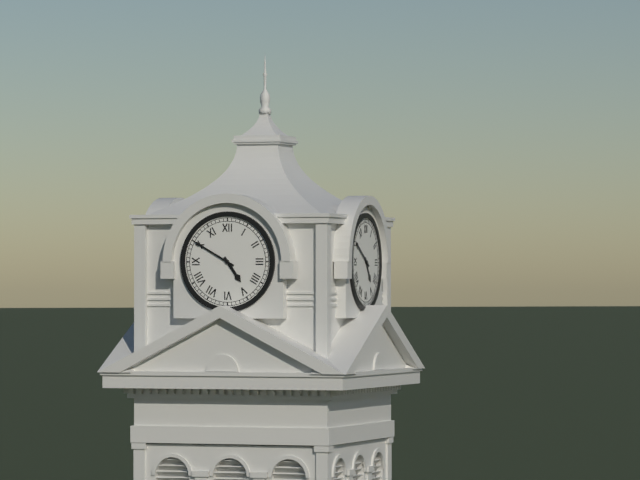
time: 4:50
